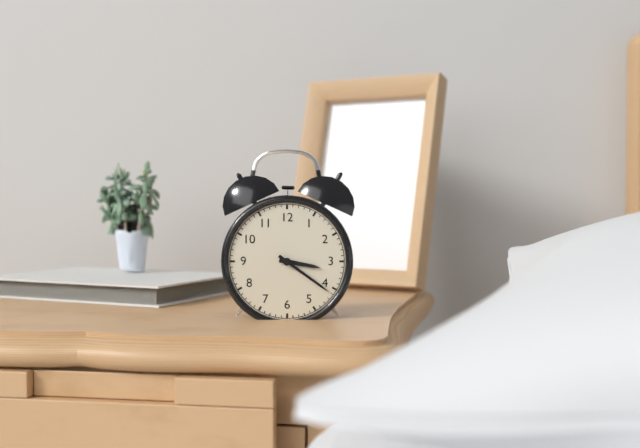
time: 3:21
